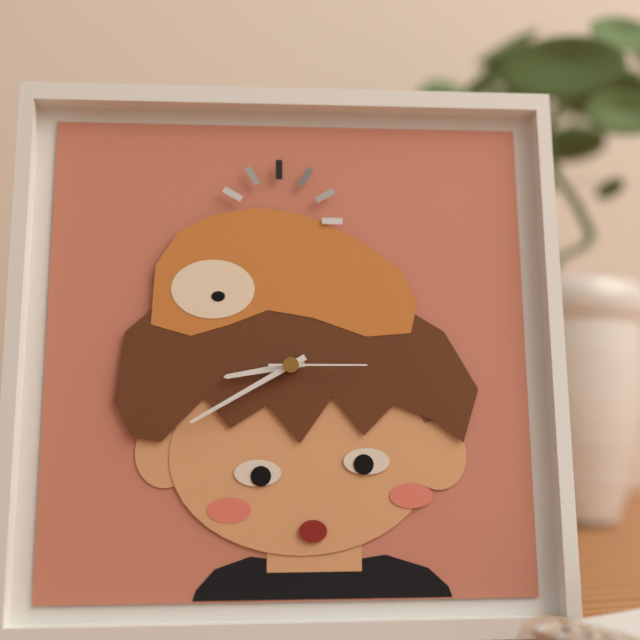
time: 8:40:15
